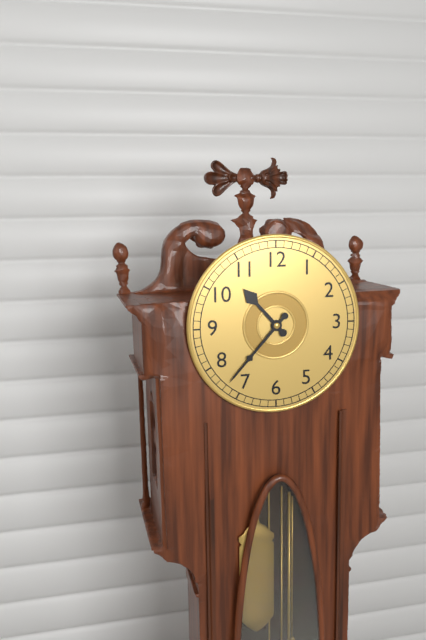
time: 10:37
